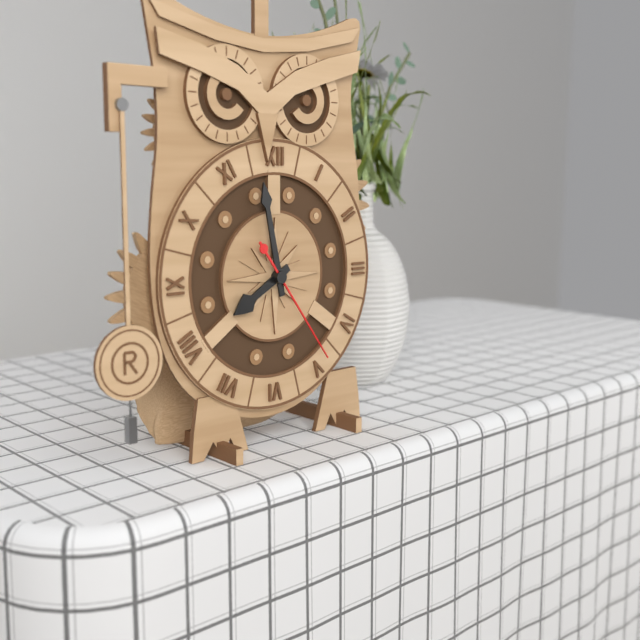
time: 7:58:24
